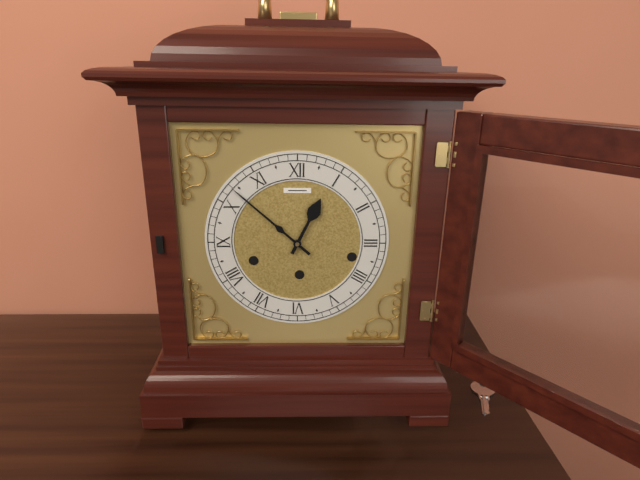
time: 12:52
